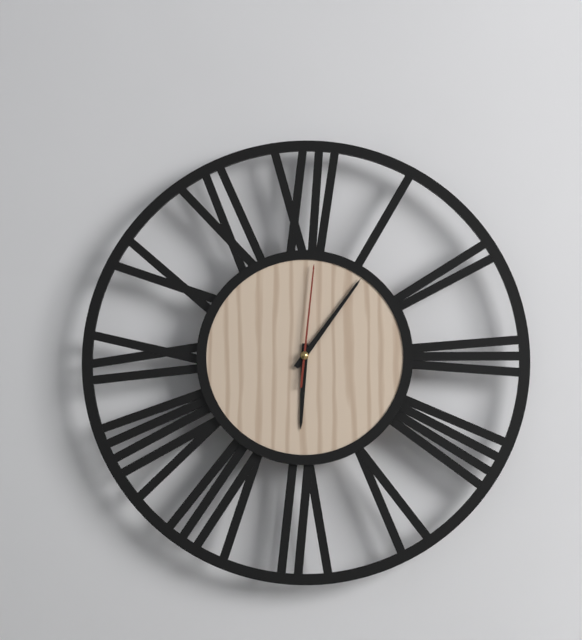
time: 6:06:01
